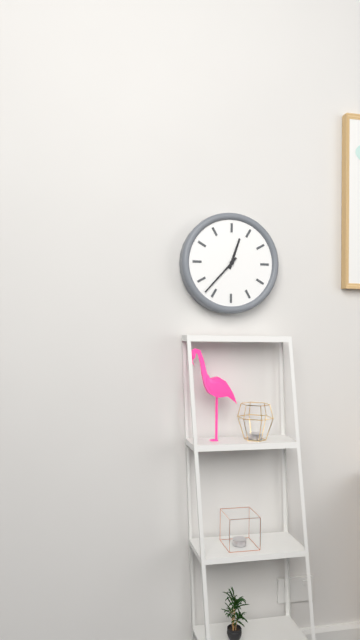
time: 12:37
